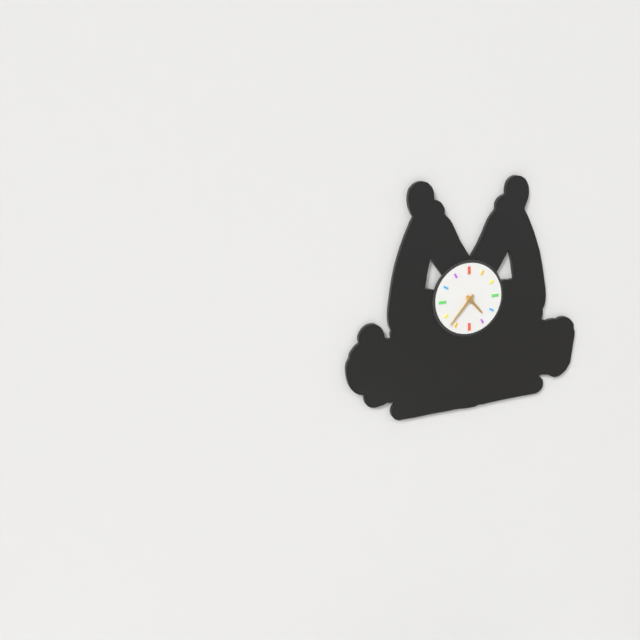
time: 4:37
